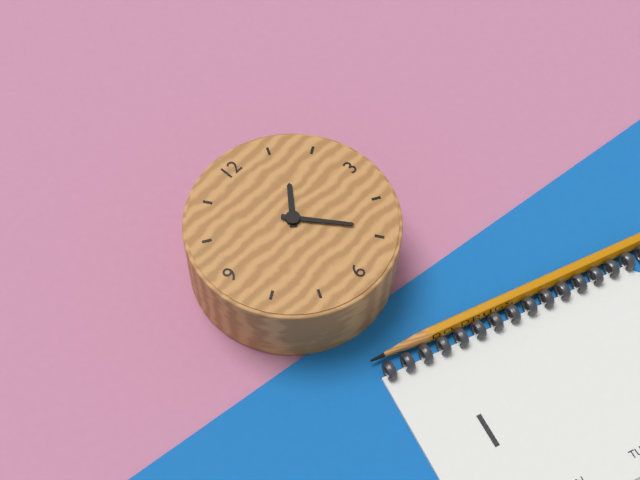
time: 1:24
